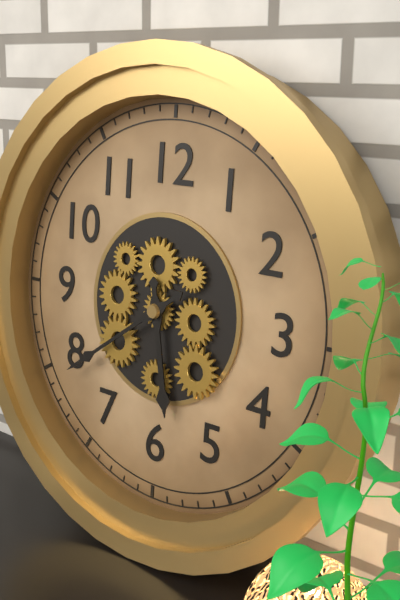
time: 5:39
